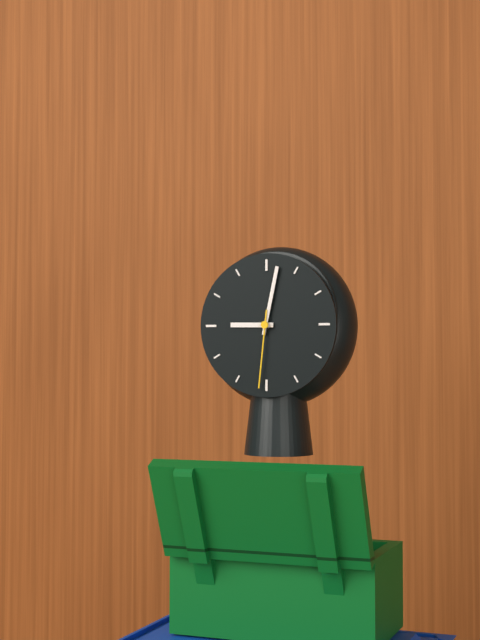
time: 9:02:31
